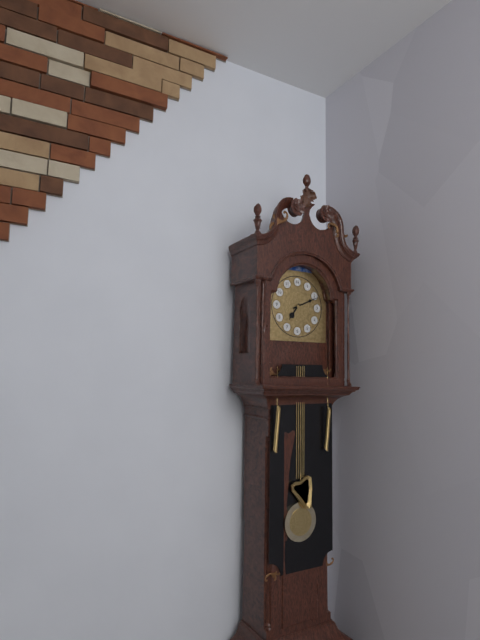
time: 7:11
